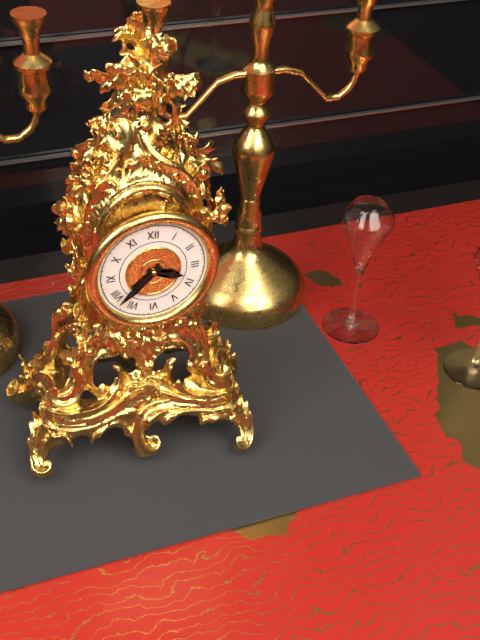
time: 3:38
